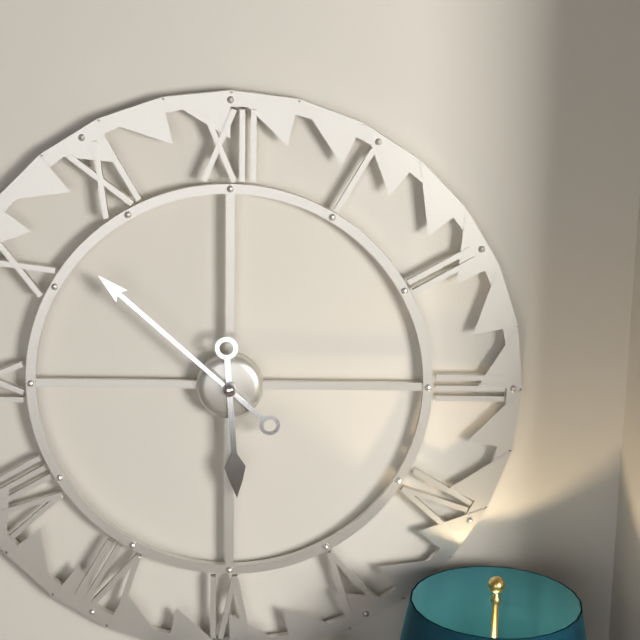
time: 5:52
